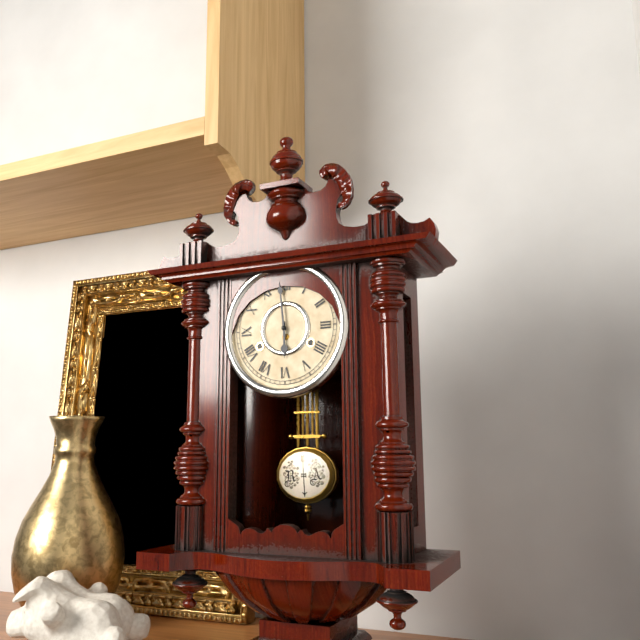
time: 5:59
